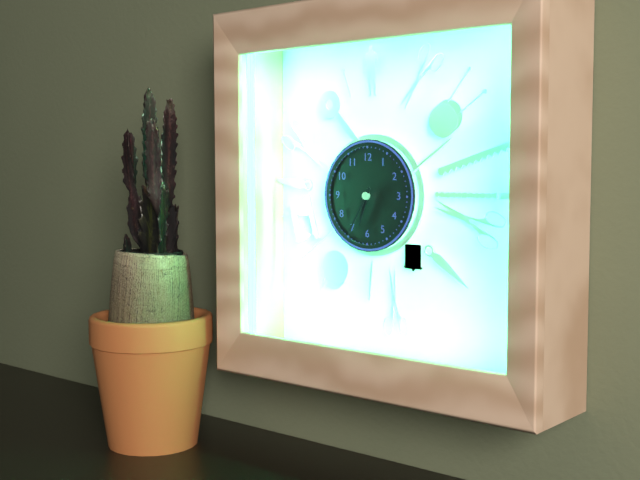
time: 6:35
